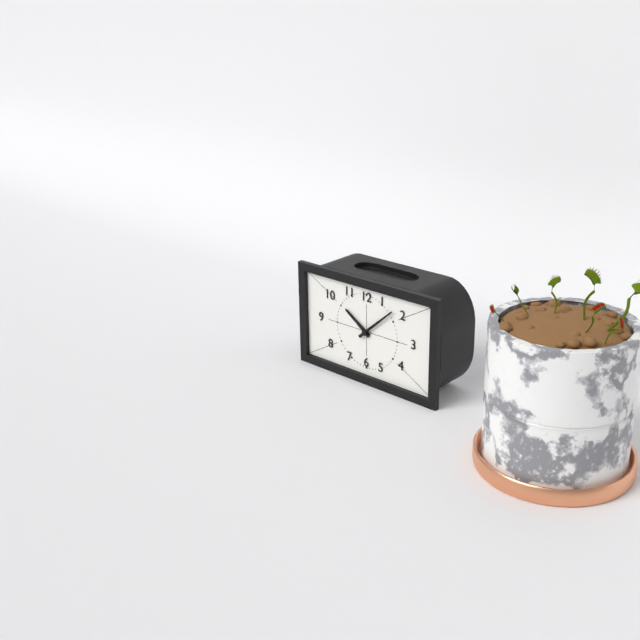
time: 10:08
